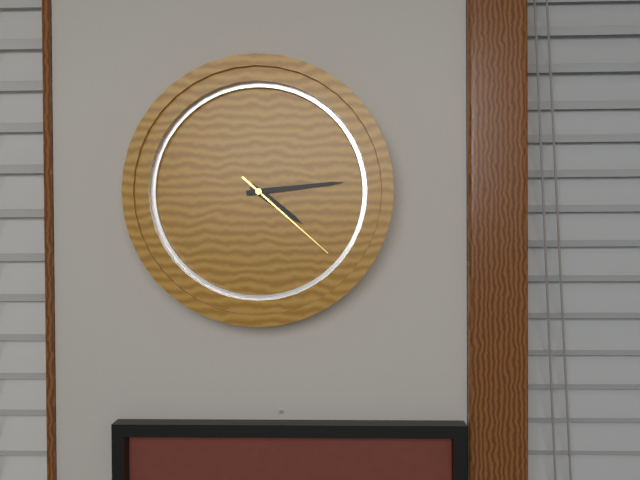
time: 4:14:22
